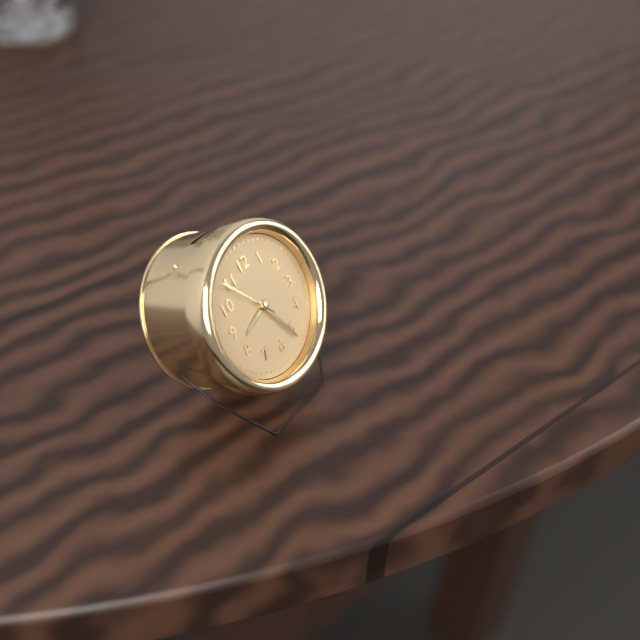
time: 8:26:54
